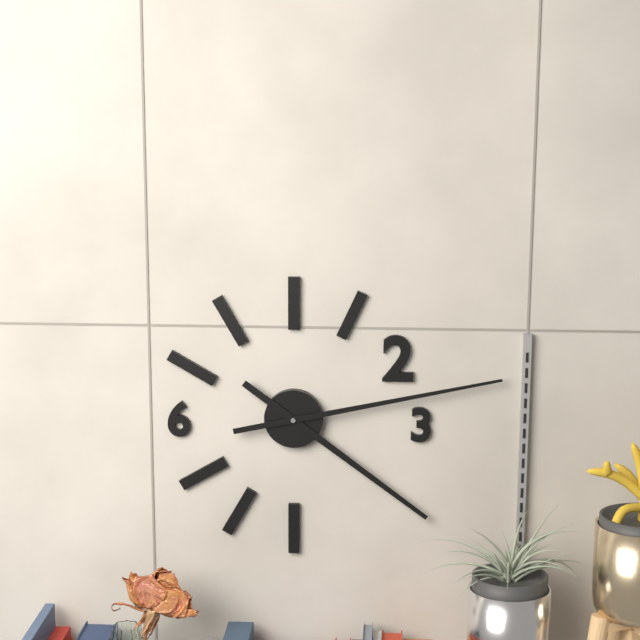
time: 4:13
